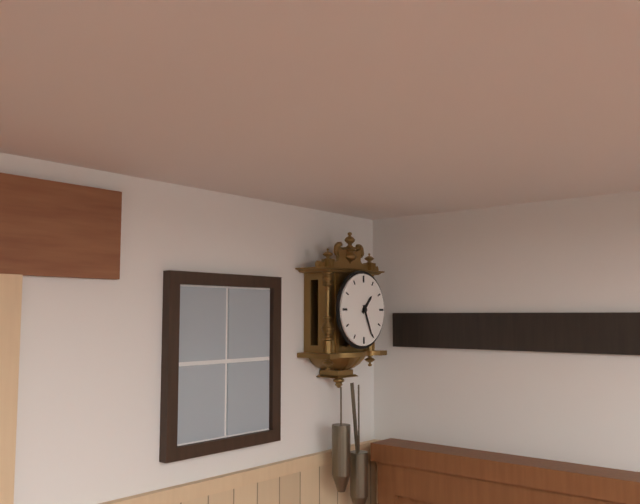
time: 1:26
